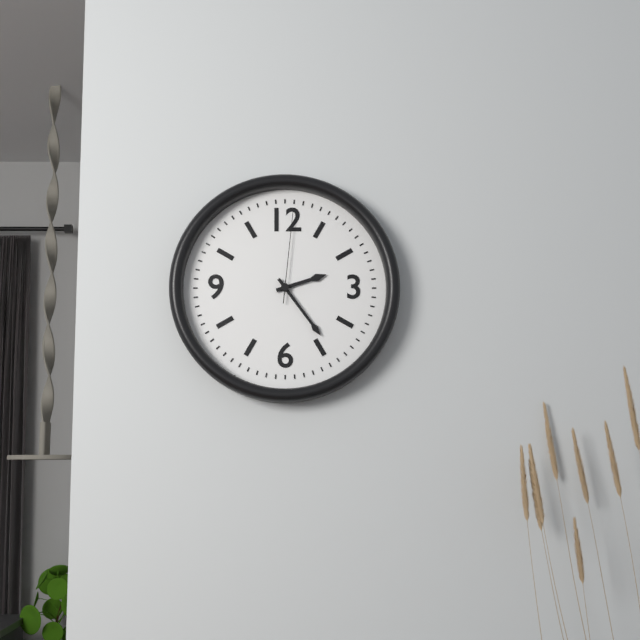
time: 2:24:01
